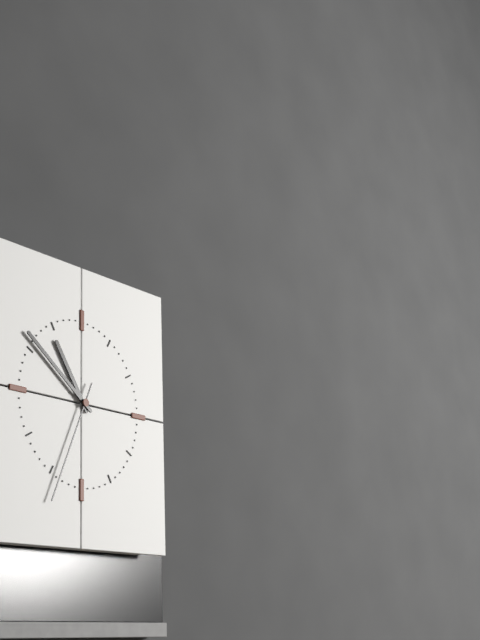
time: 10:51:34
